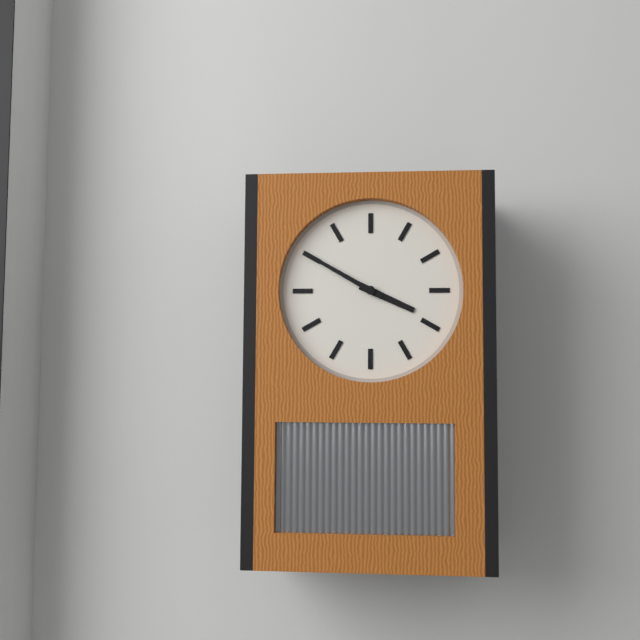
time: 3:50
